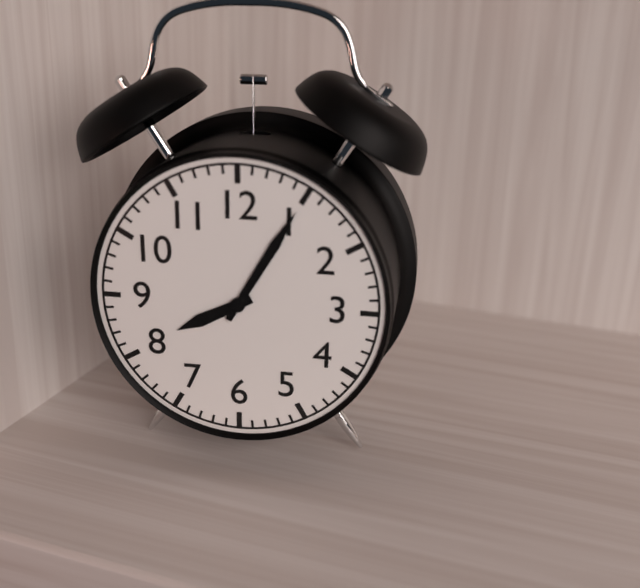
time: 8:05
